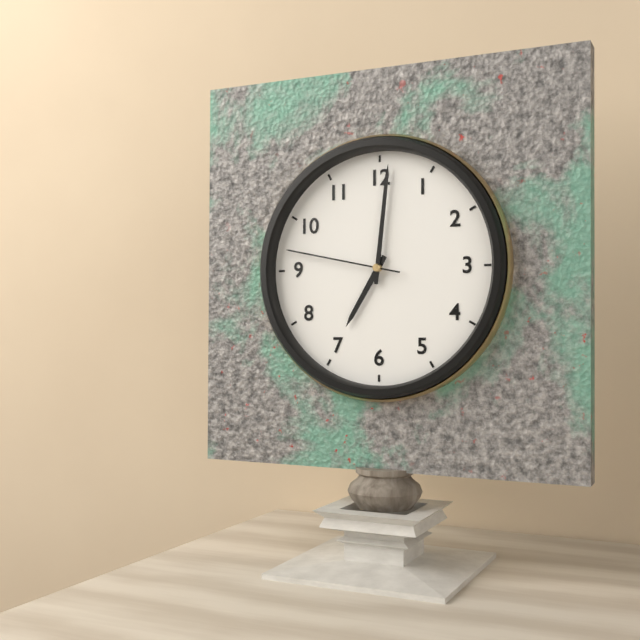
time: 7:01:47
